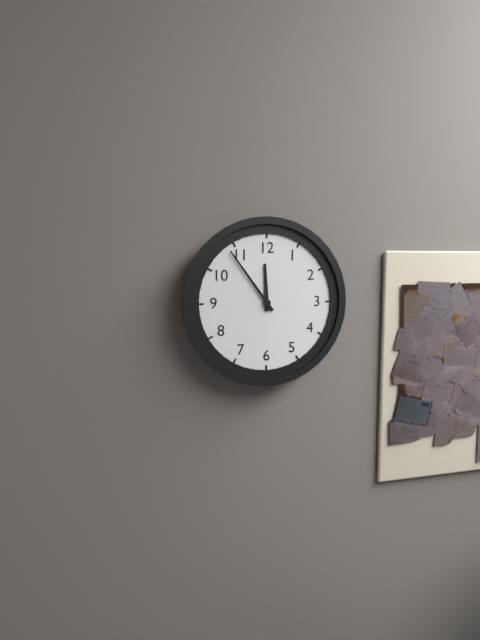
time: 11:54
